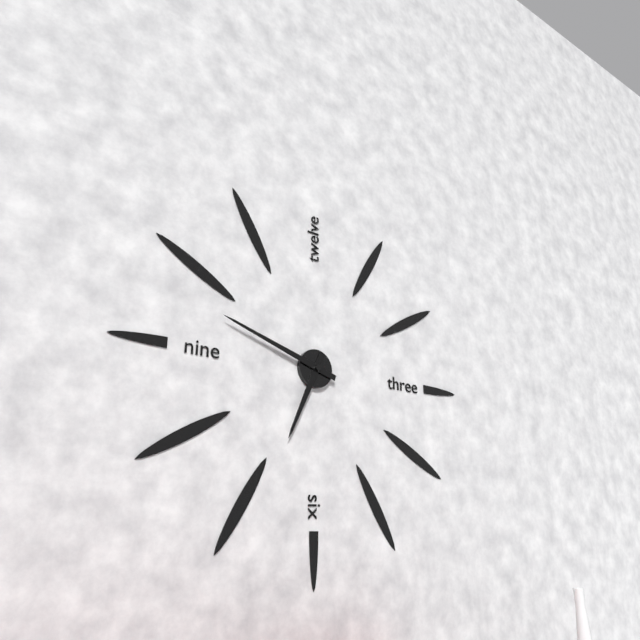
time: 6:48
